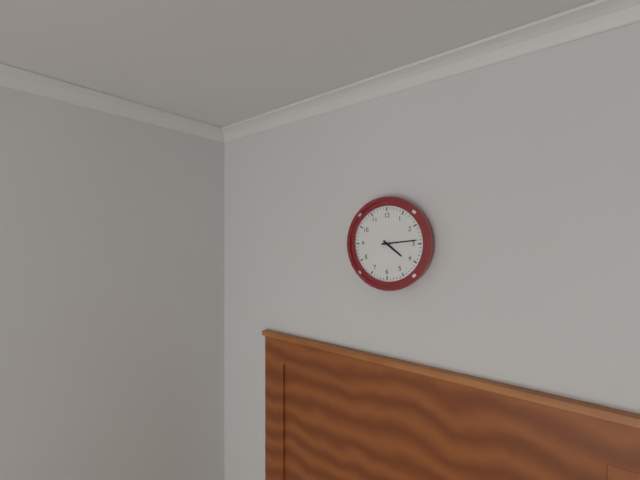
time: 4:14
